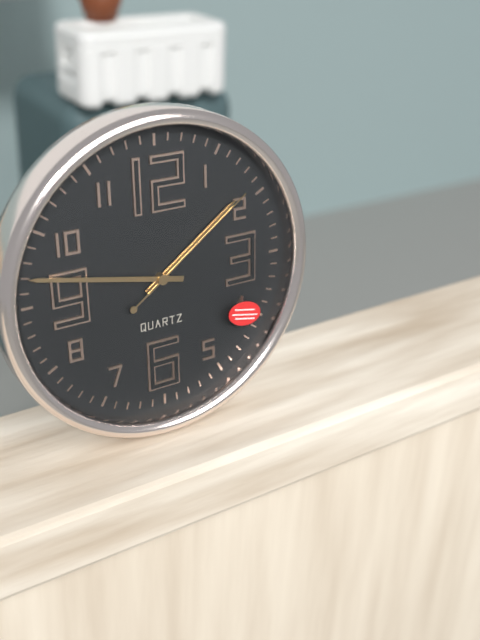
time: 1:47:09
